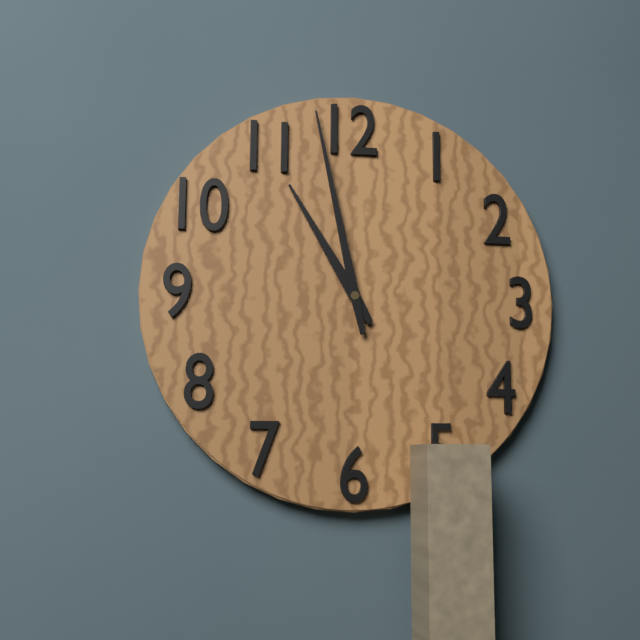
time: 10:58
